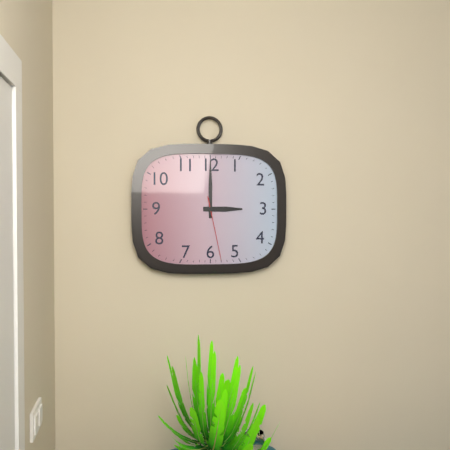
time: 3:00:28
